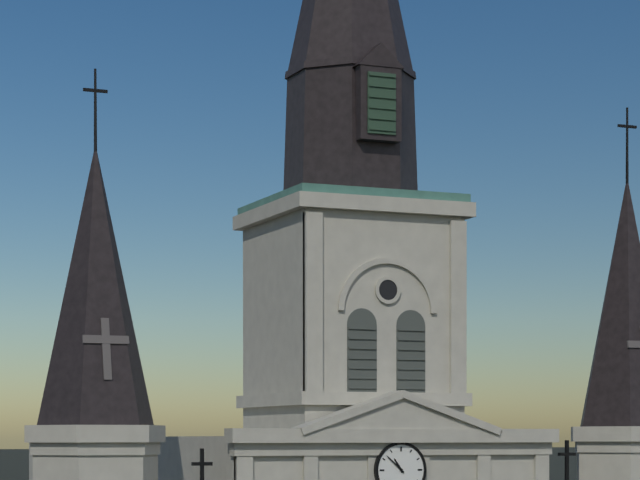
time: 10:52
